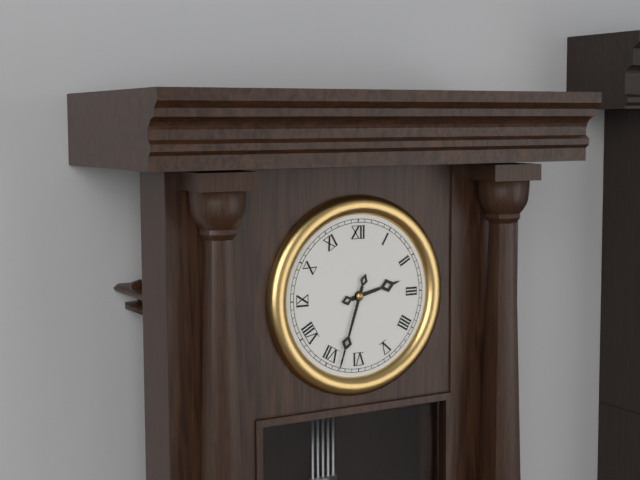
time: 2:33
